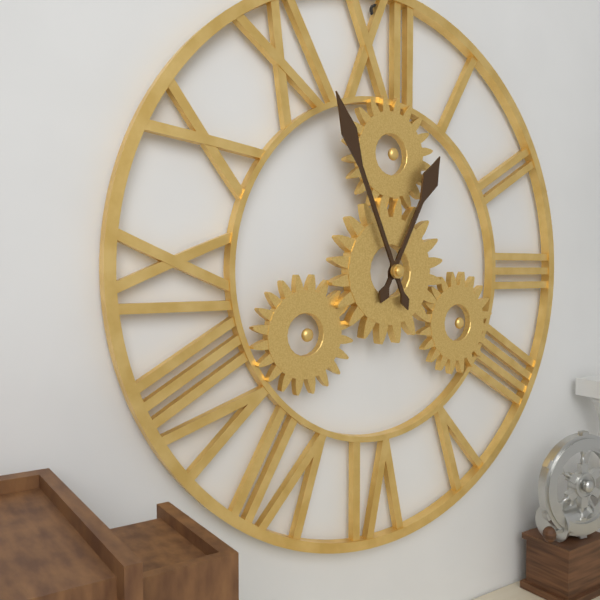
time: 12:56
